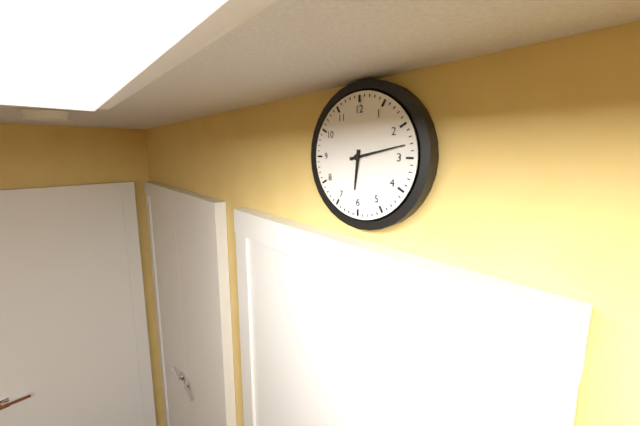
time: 6:13
